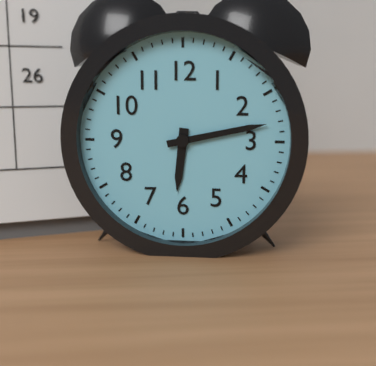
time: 6:13
